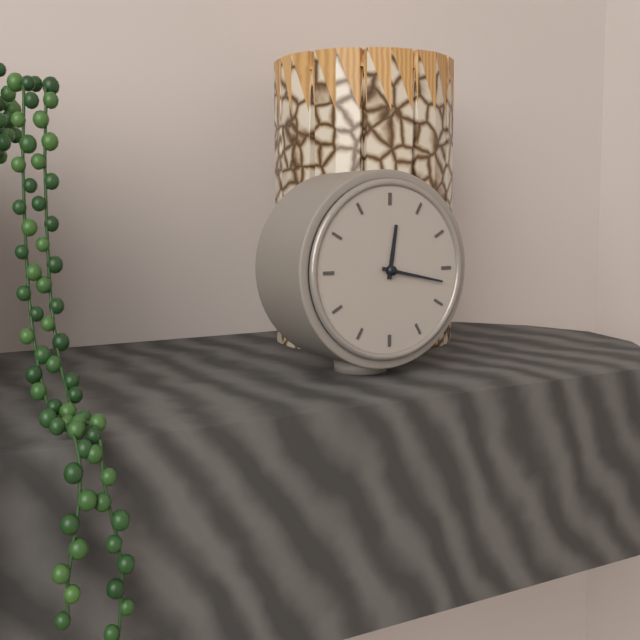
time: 12:17
